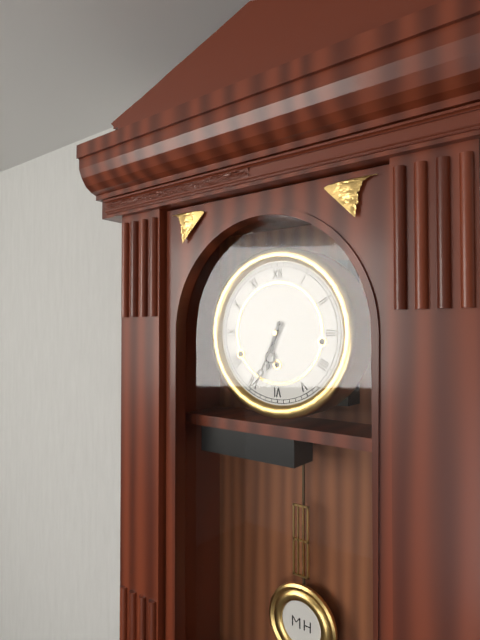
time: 6:34
